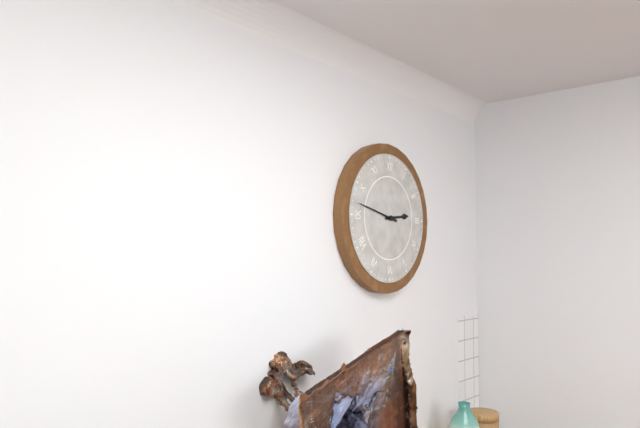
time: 2:47
